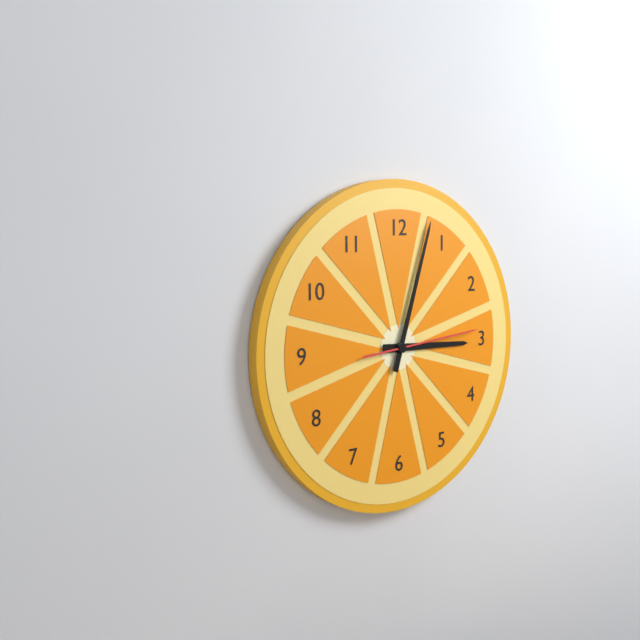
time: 3:03:14
